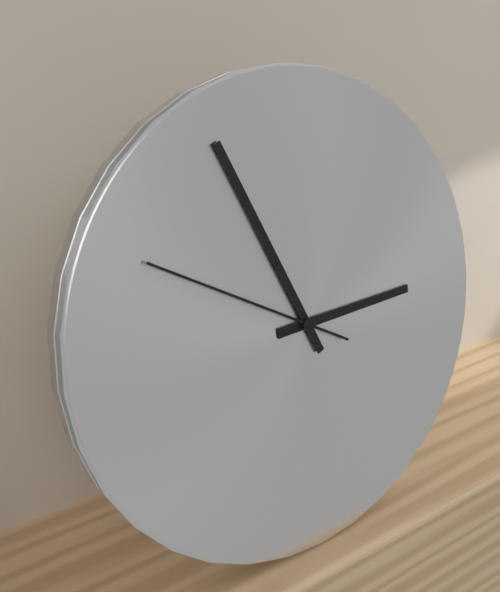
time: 2:56:50
